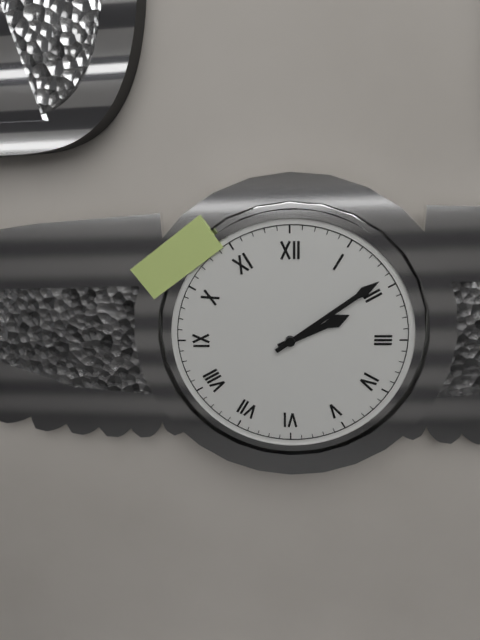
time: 2:09
